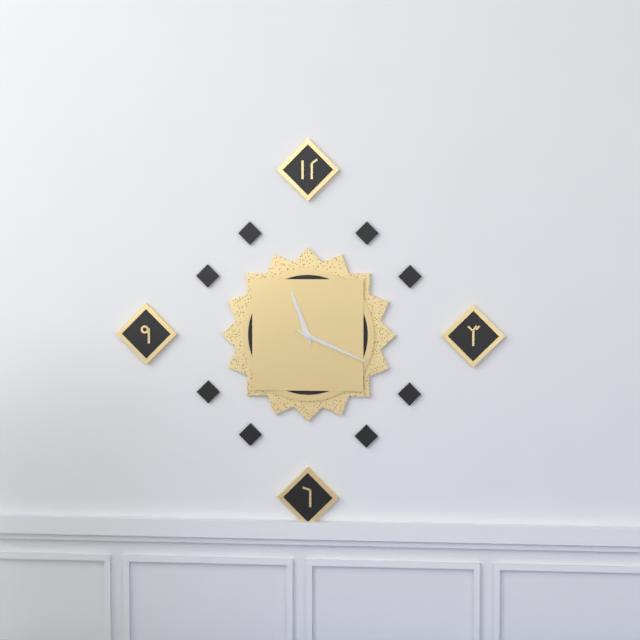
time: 11:19
